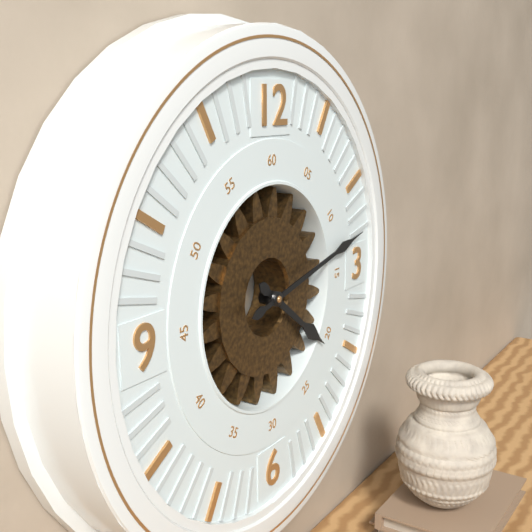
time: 4:13
